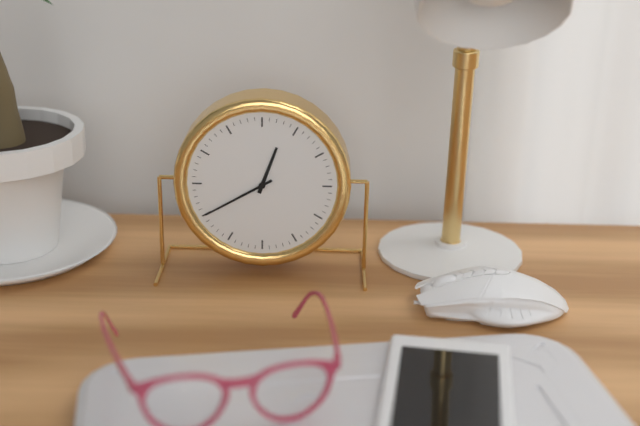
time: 12:40
